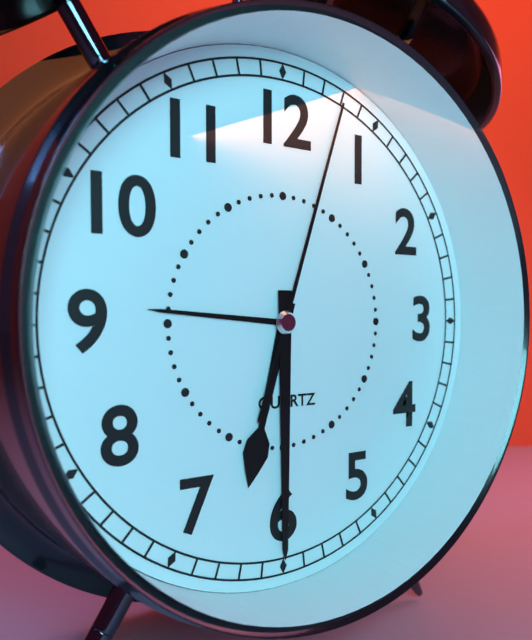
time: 6:30:03
